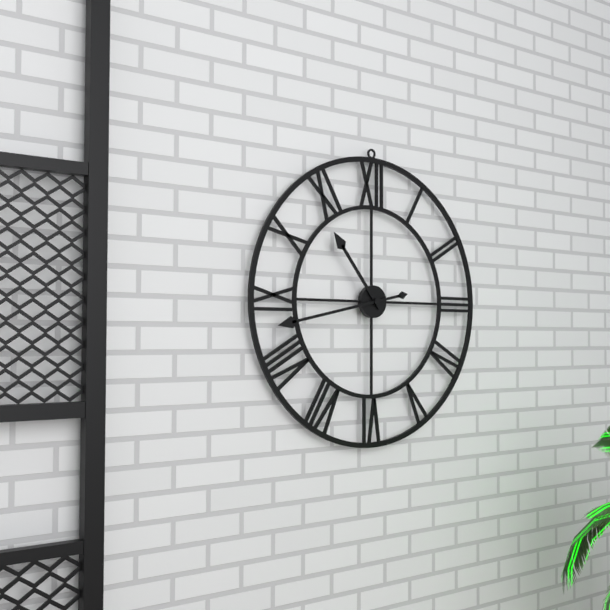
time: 10:43
